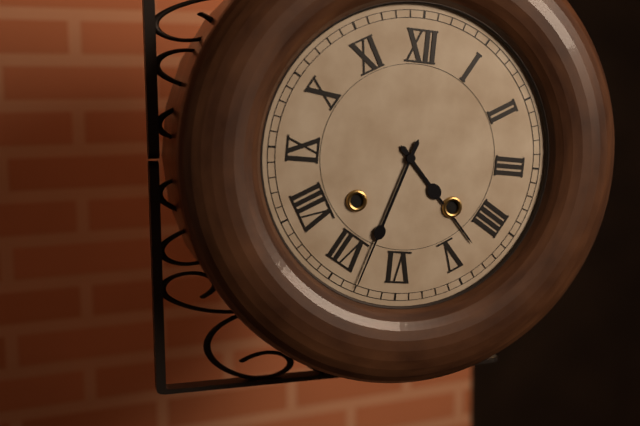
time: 4:33
